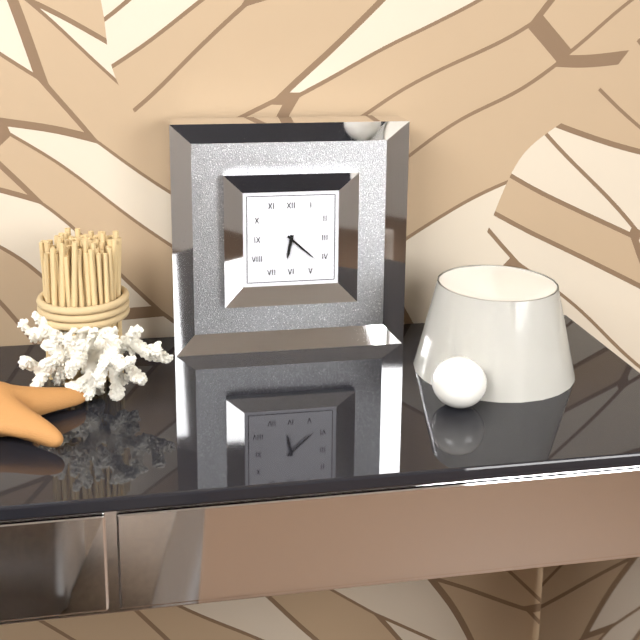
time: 6:22
